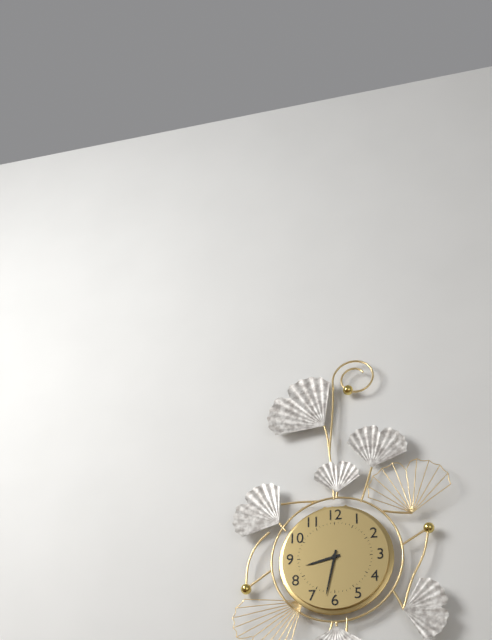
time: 8:32
